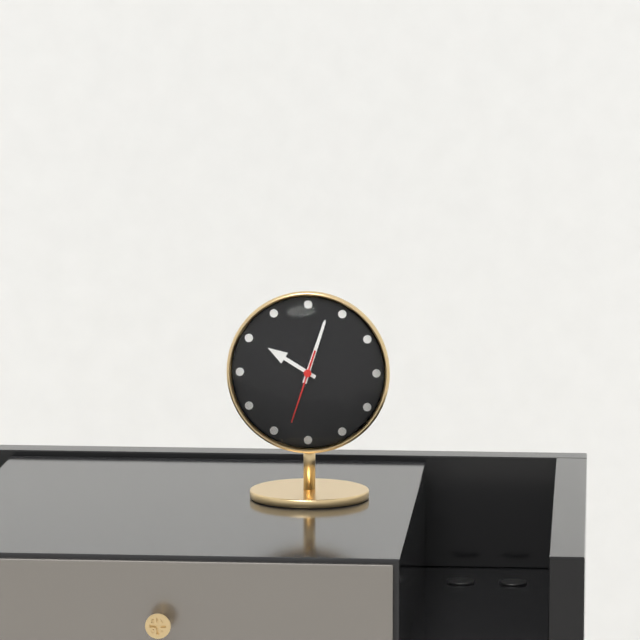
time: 10:03:33
